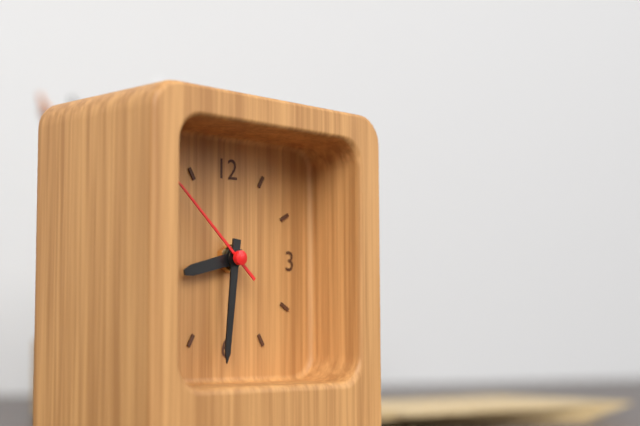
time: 8:31:52
